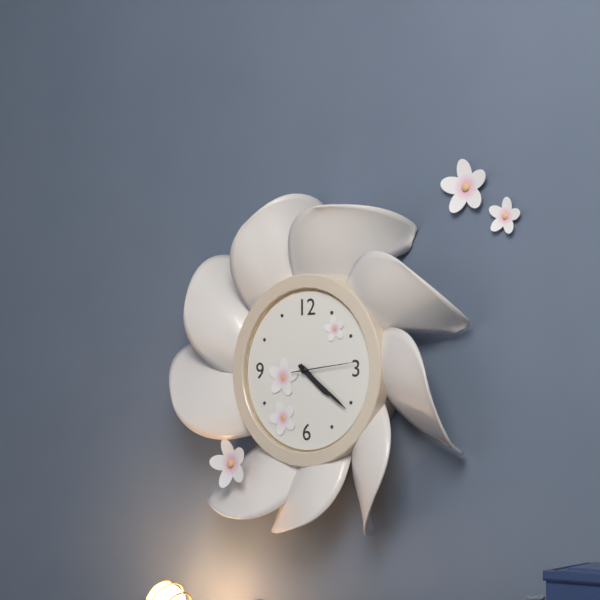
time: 4:21:14
